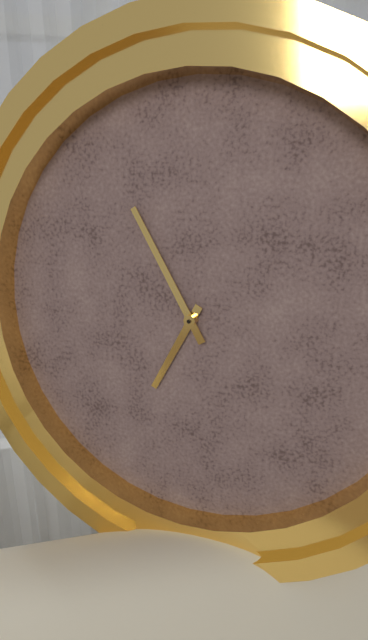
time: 6:55
